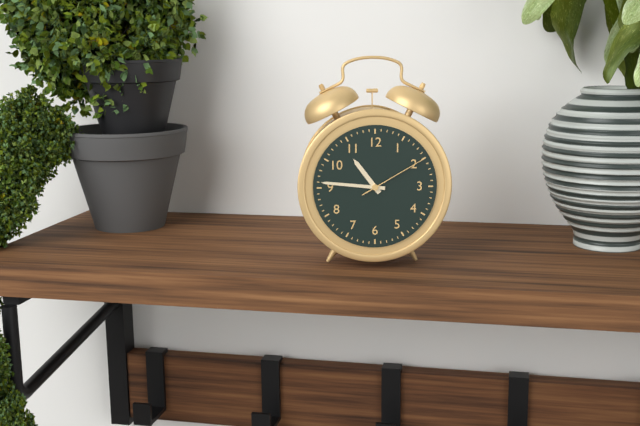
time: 10:46:10
